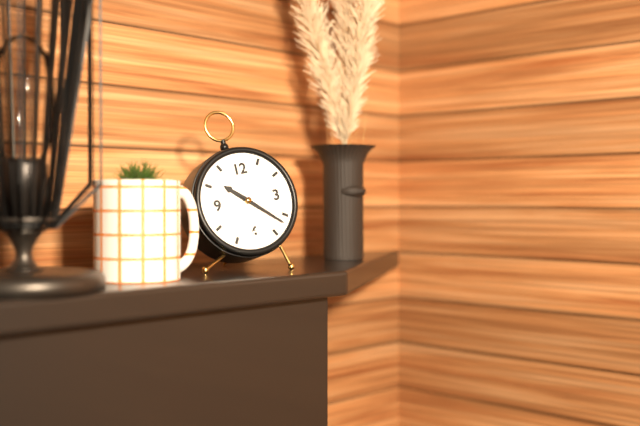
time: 10:22
